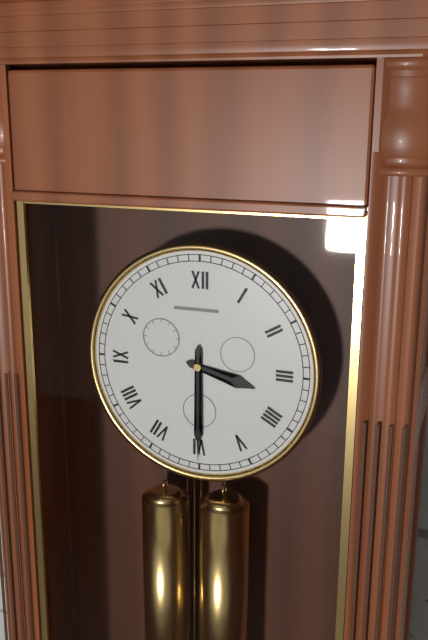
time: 3:30
